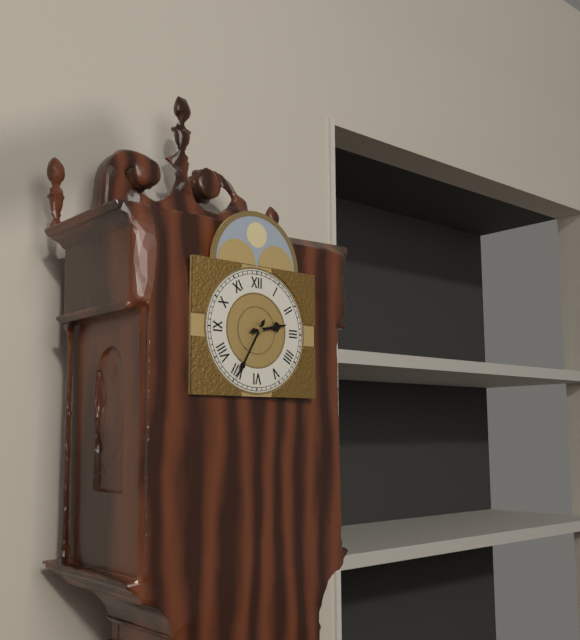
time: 2:35
